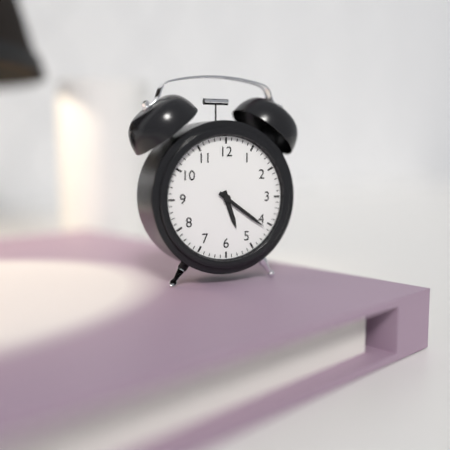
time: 5:21
